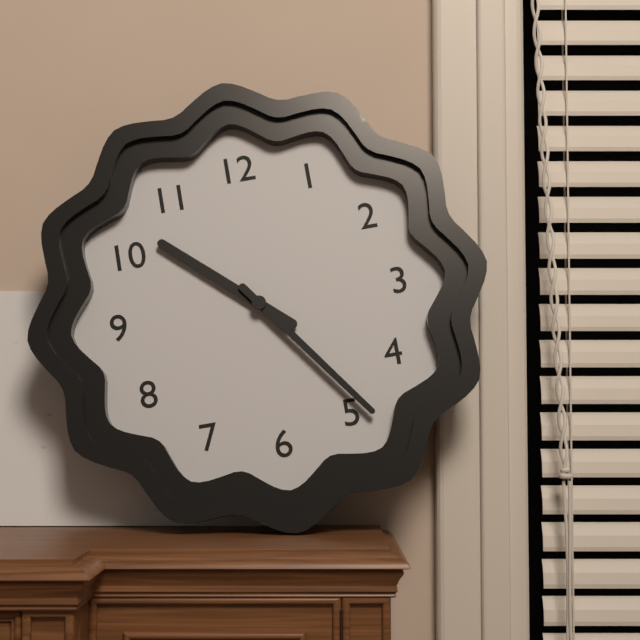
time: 10:24
